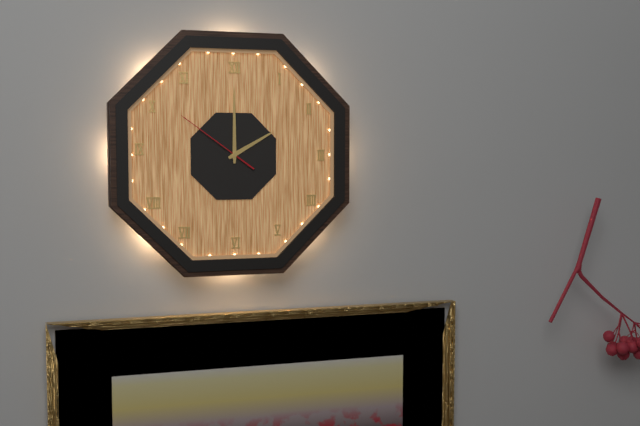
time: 2:00:51
